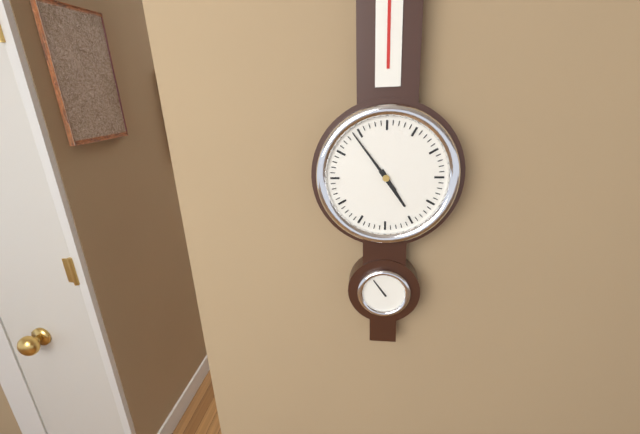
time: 4:54
